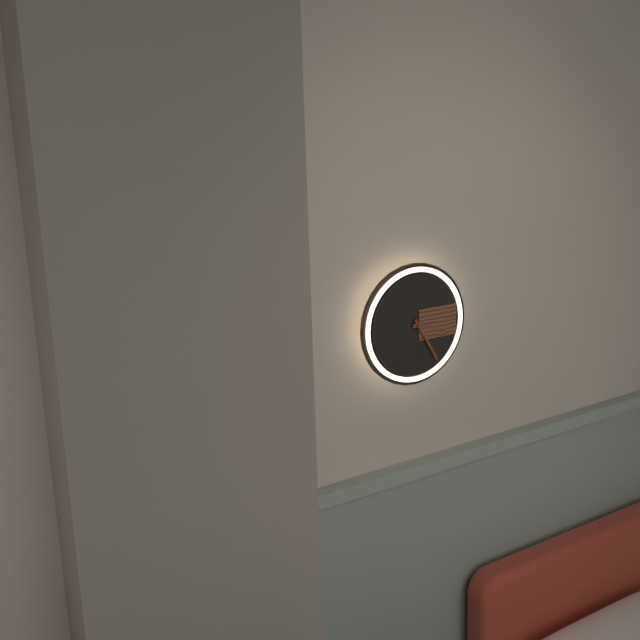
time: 3:25
